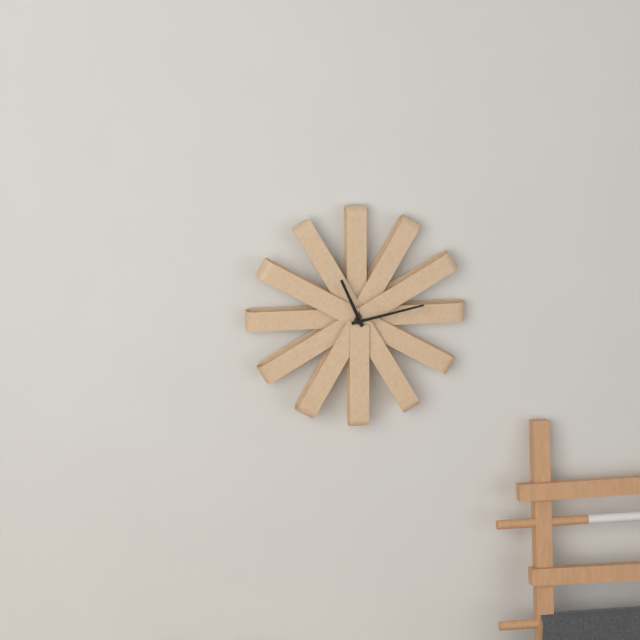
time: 11:13
